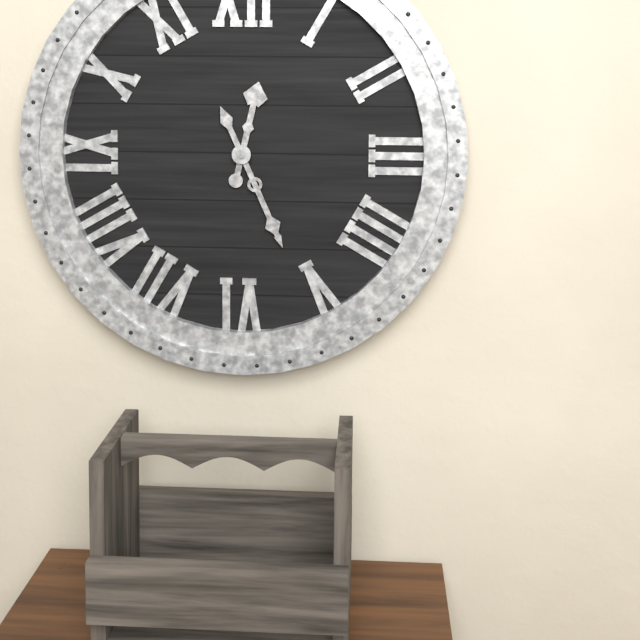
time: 12:26
